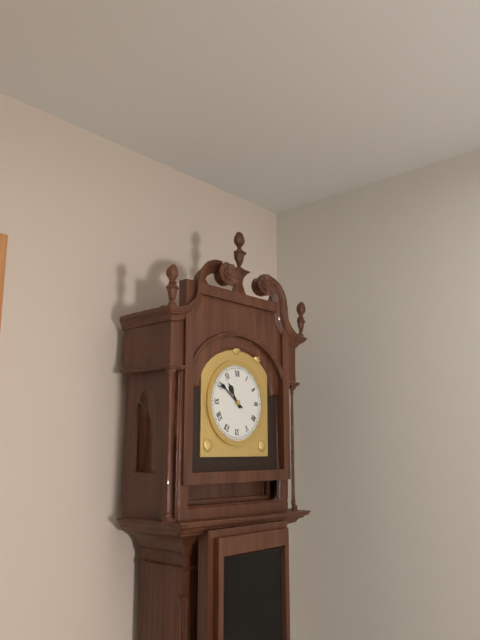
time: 10:51
